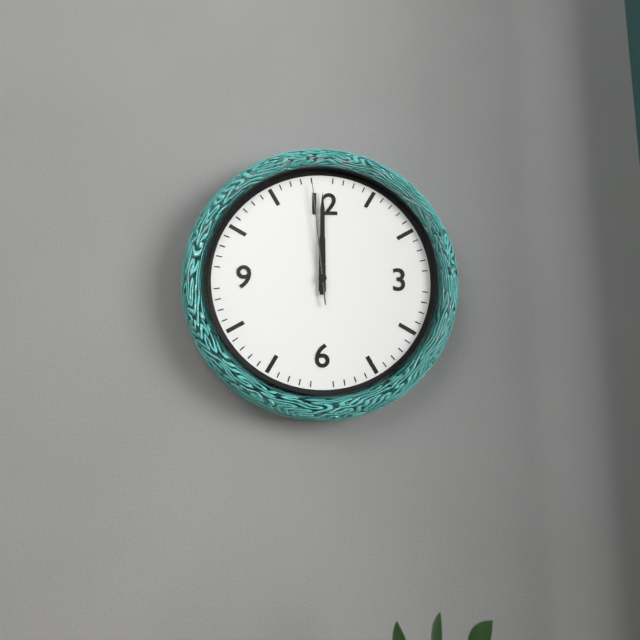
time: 12:00:59
